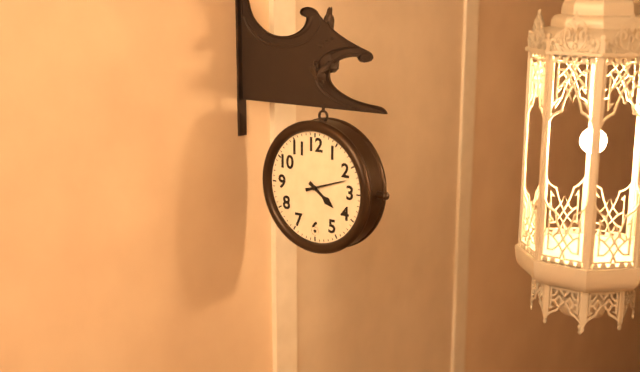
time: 4:12
